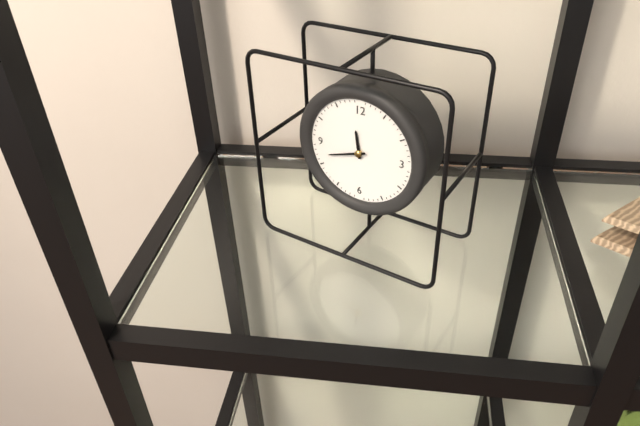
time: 11:42
